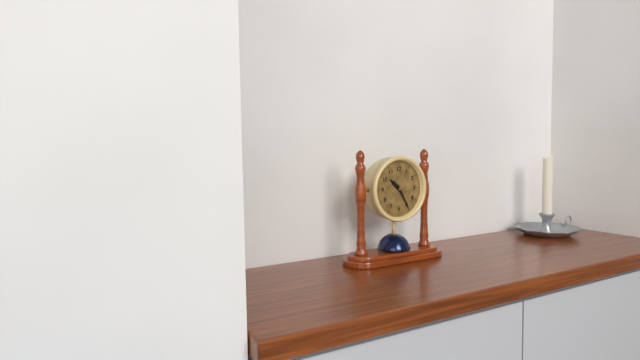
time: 10:25
